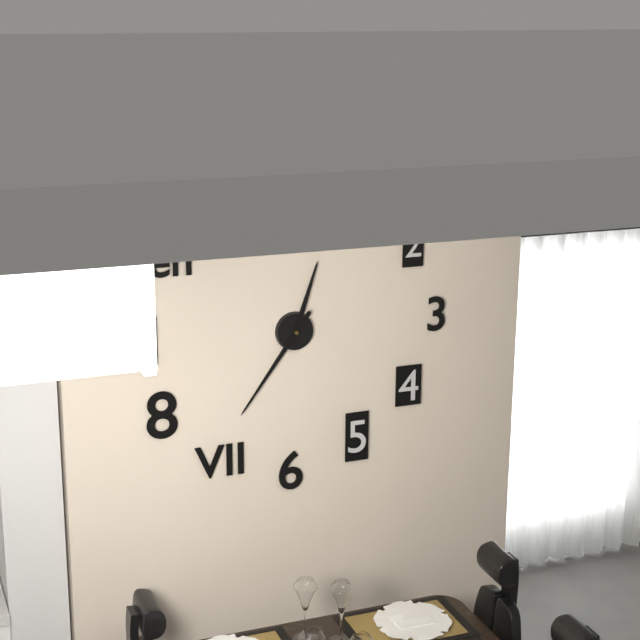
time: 12:36
